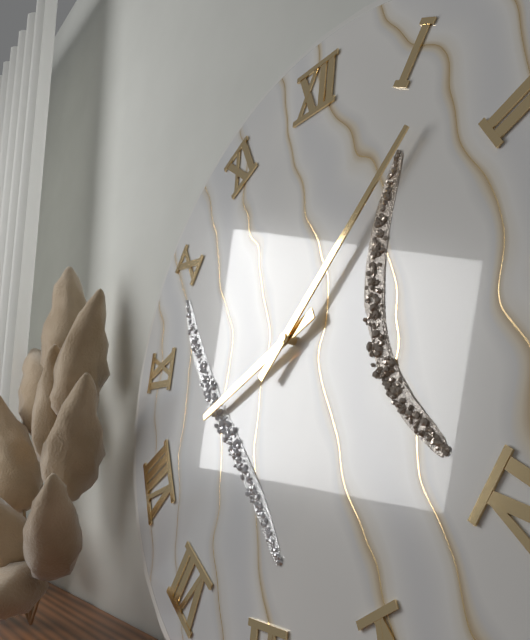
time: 8:07
